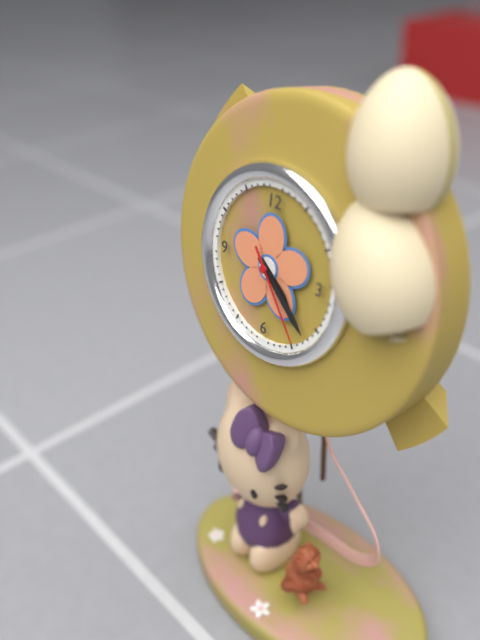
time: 4:22:24
